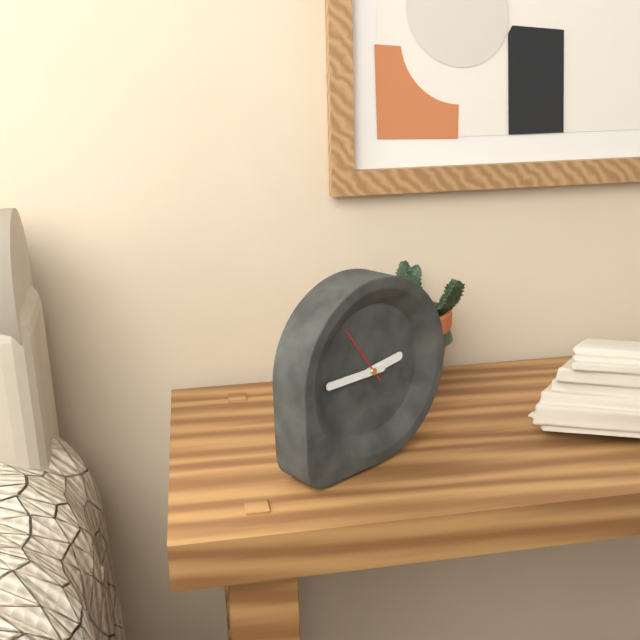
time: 2:45:54
